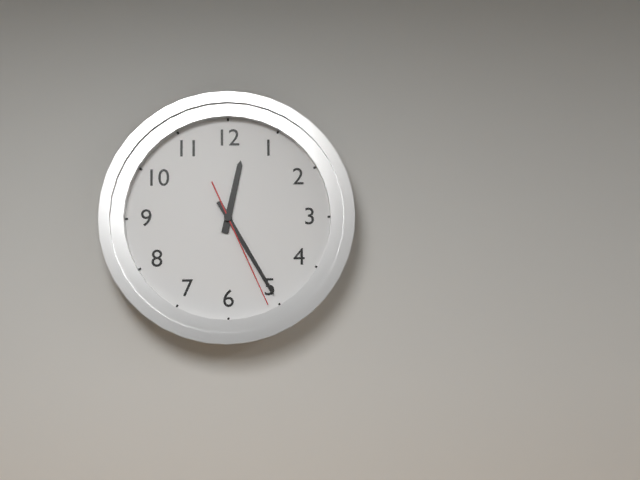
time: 12:25:26
